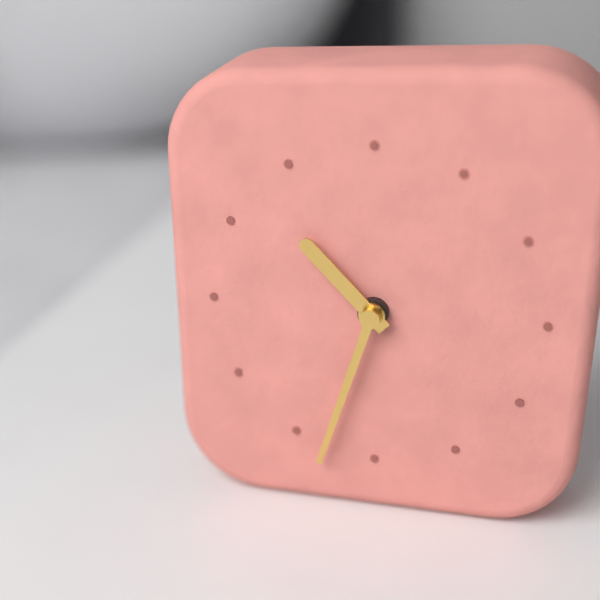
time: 10:33
